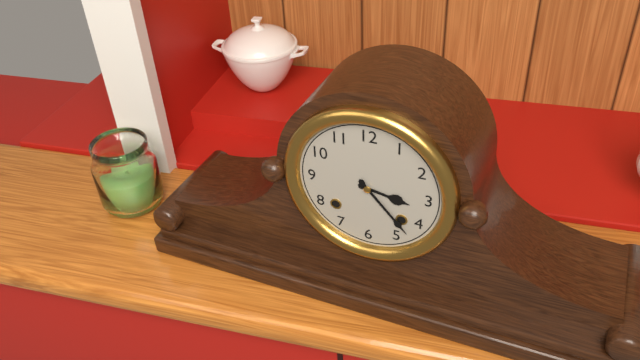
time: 3:23
